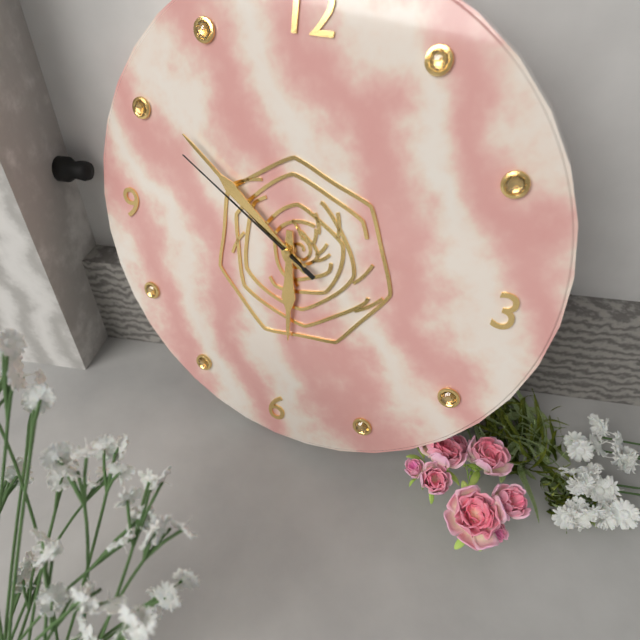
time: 5:51:50
